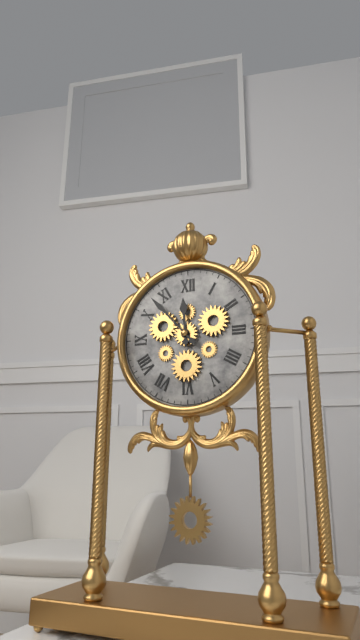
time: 11:53
